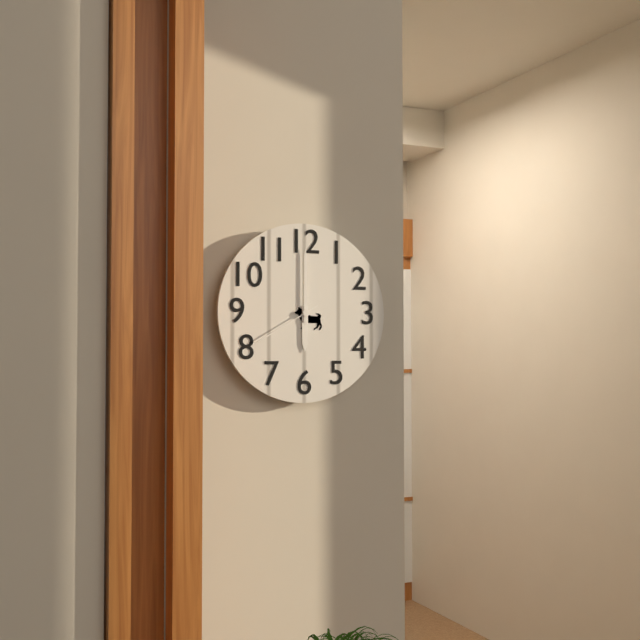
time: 6:00:40
